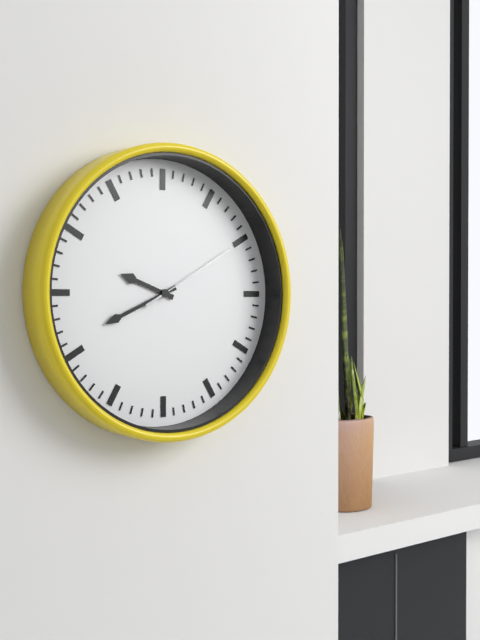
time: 9:41:10
